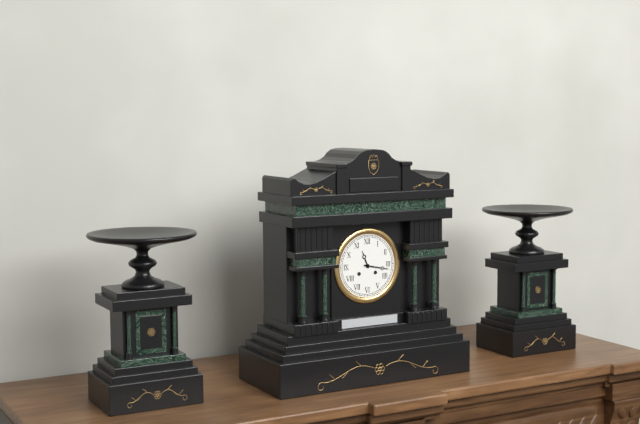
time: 11:17
